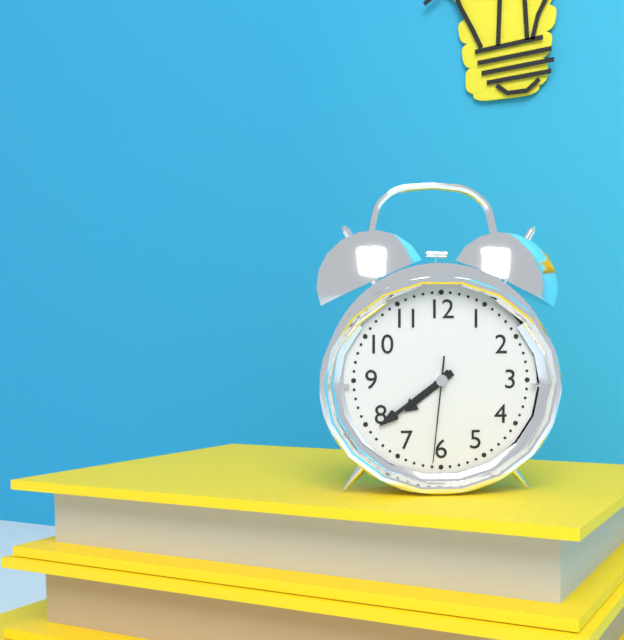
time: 7:39:31
